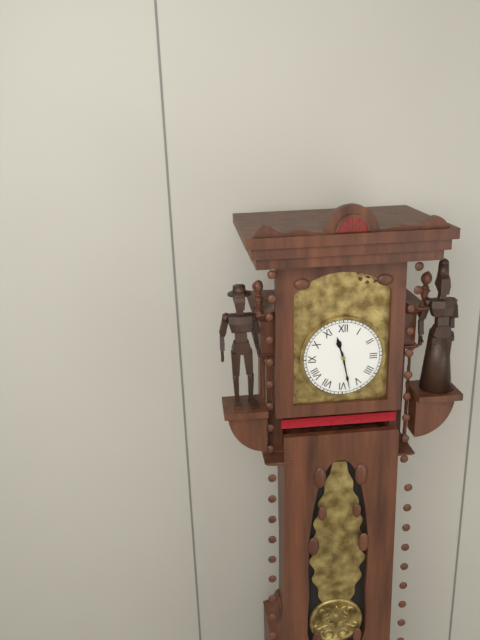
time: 11:28
